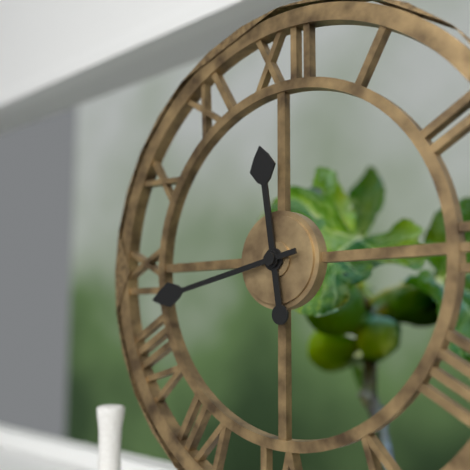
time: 11:43
